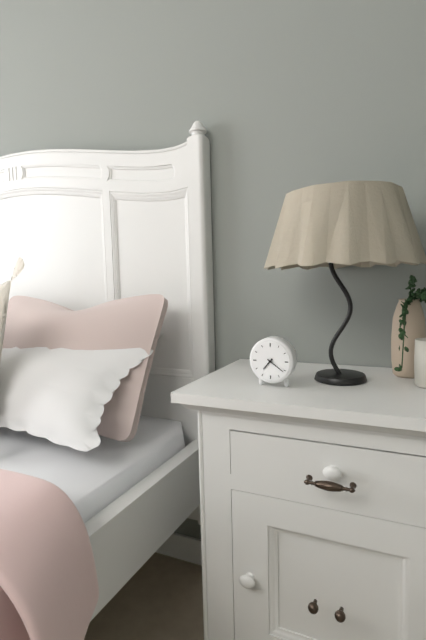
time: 7:21
